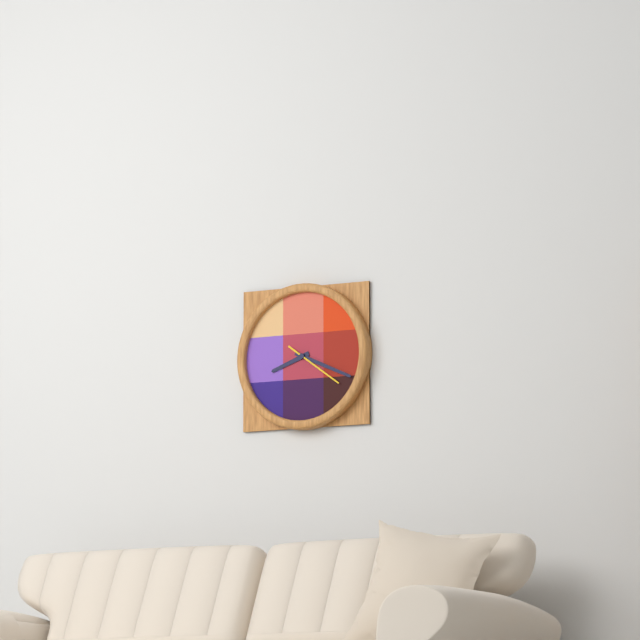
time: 8:19:21
